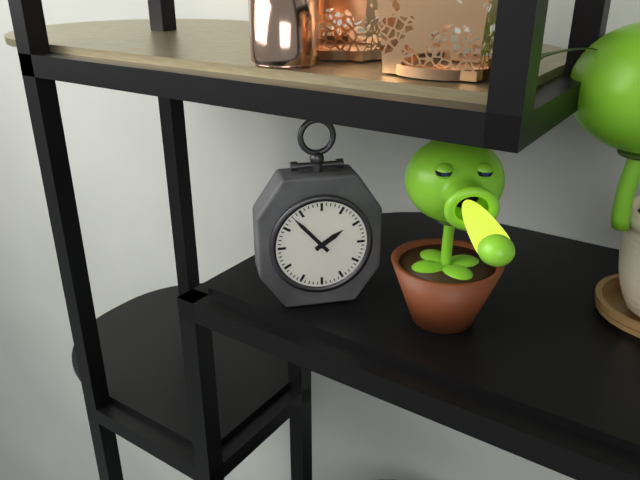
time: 1:53
